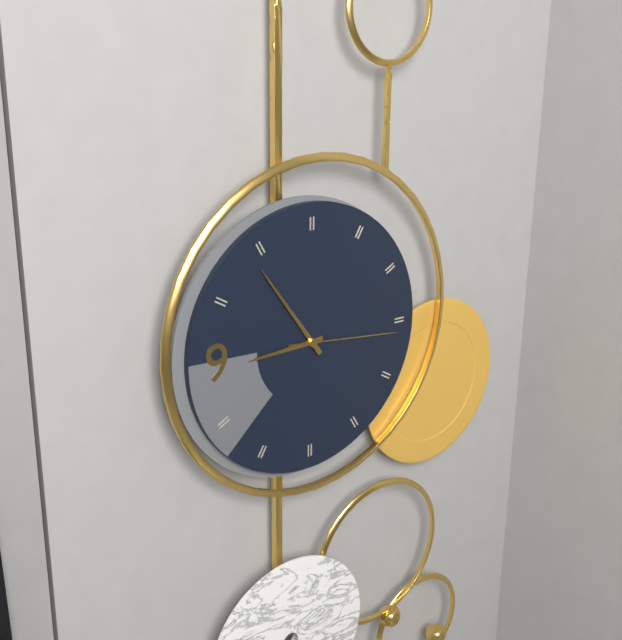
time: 8:54:16
